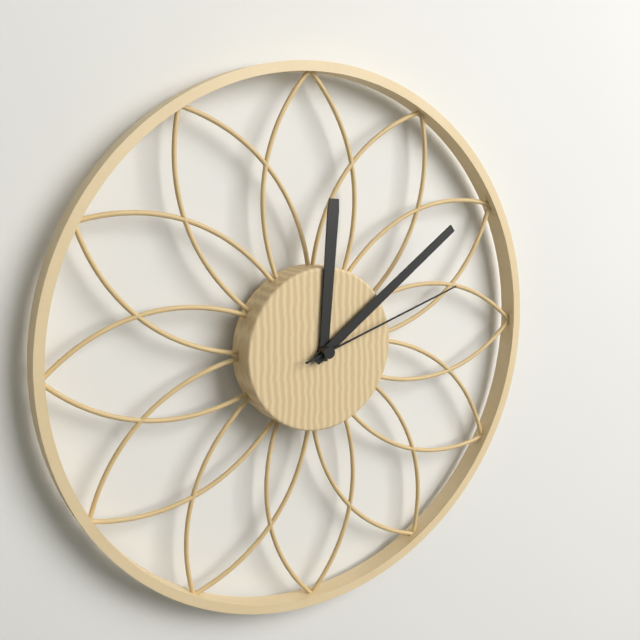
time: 12:09:12
